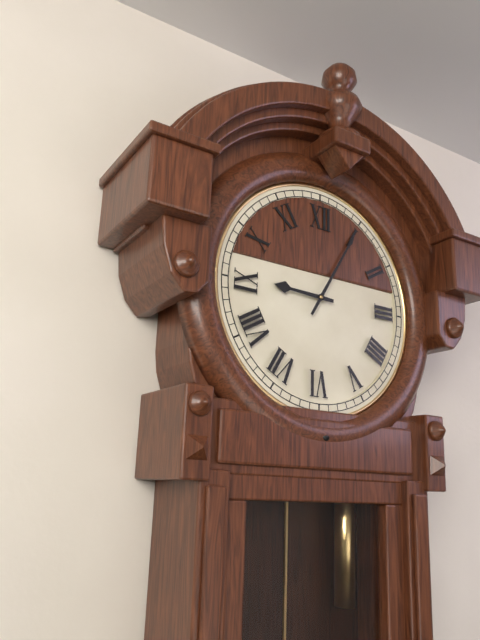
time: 9:05
